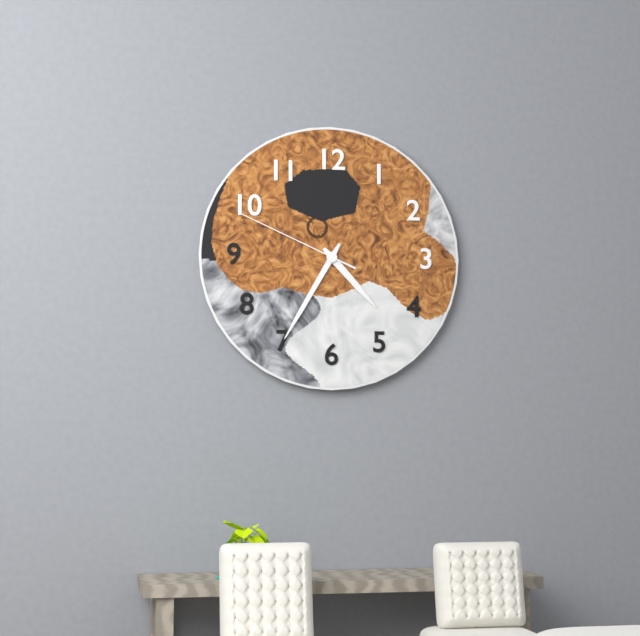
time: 4:35:49
